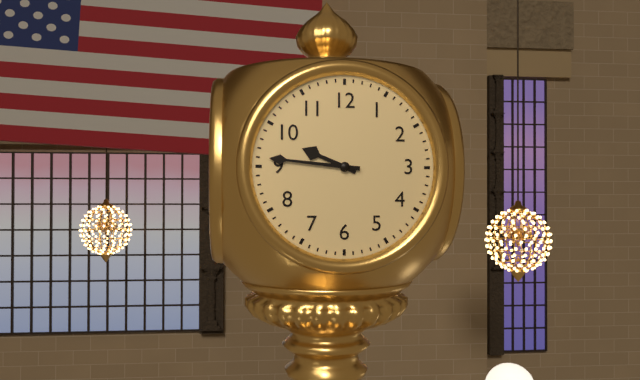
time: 9:46
